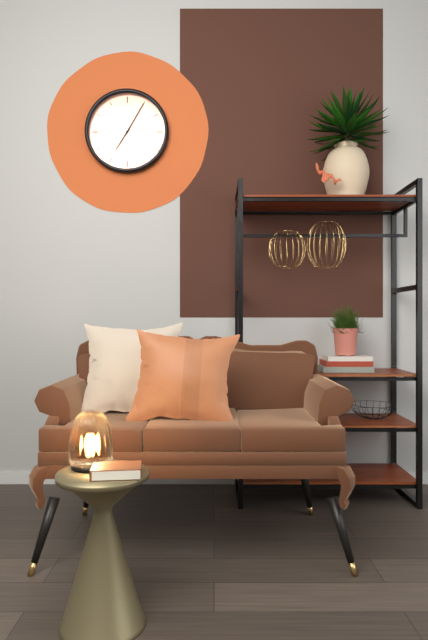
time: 7:05
